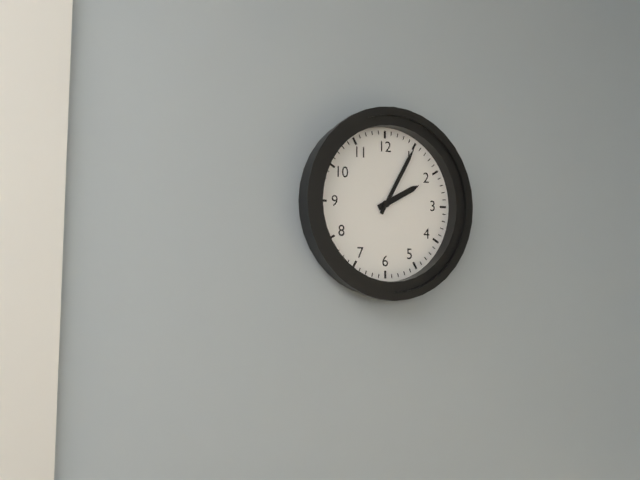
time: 2:05
